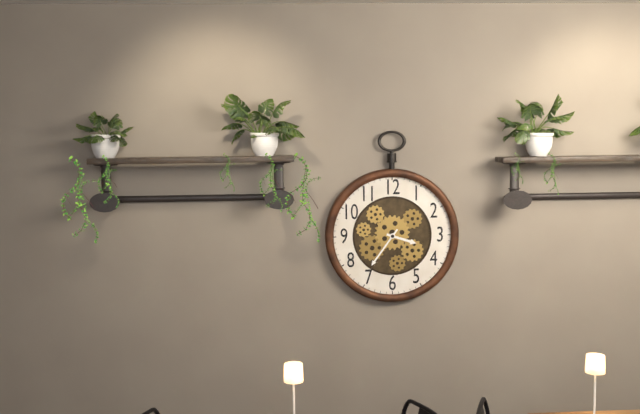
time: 3:36
